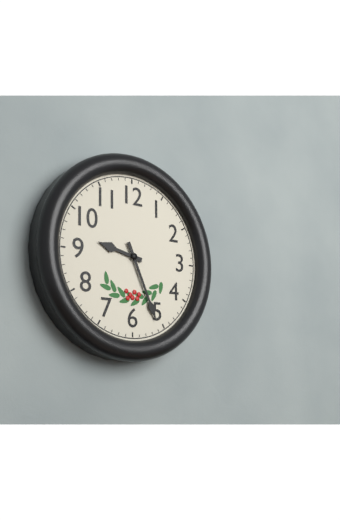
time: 9:26
